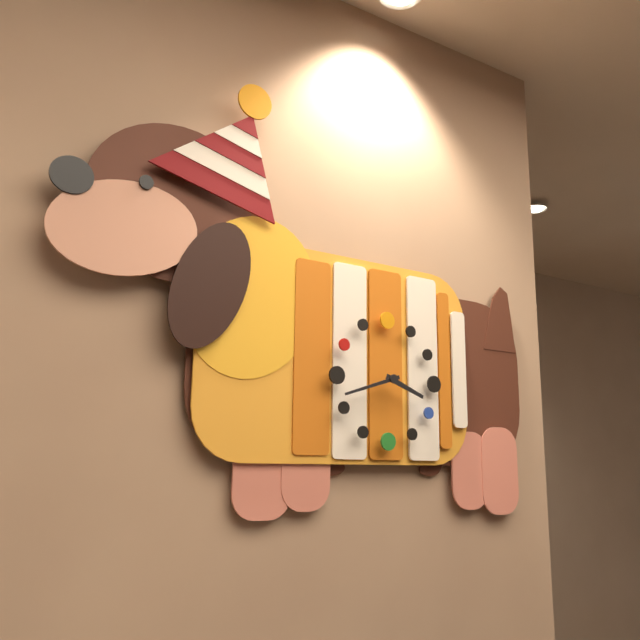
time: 3:42
